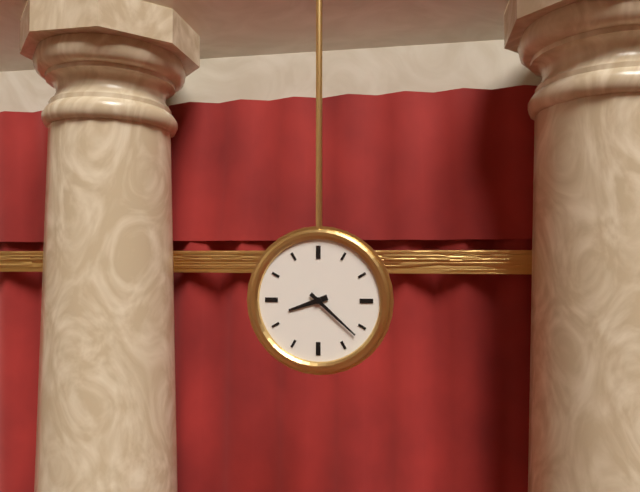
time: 8:22
